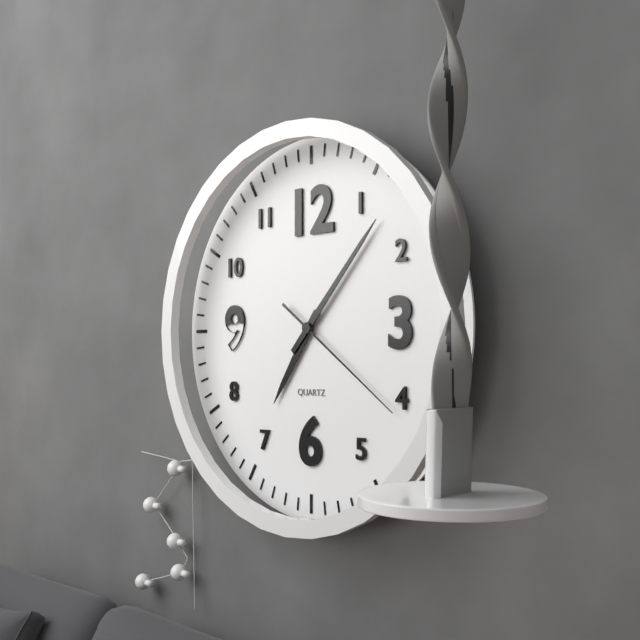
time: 7:07:21
